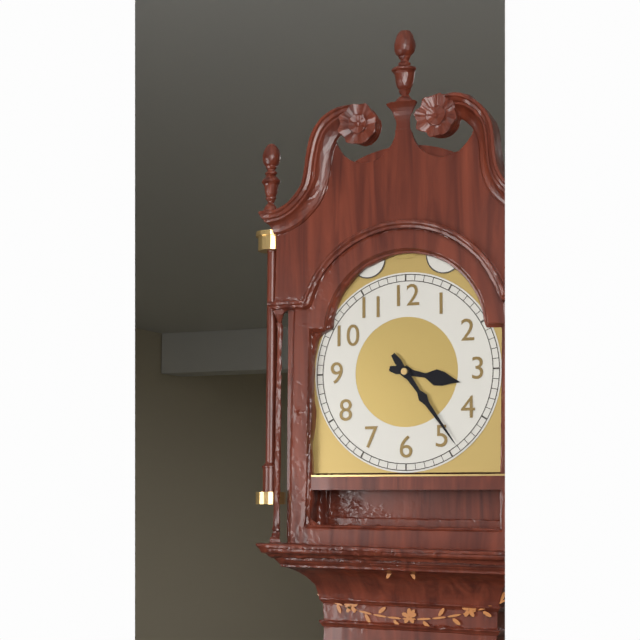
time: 3:24
